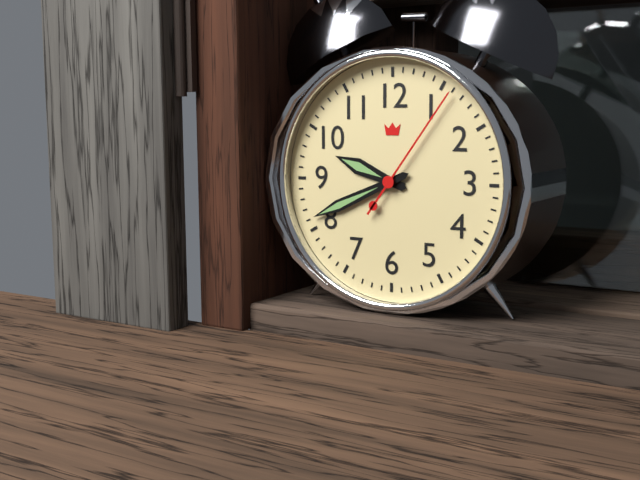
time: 9:41:06
